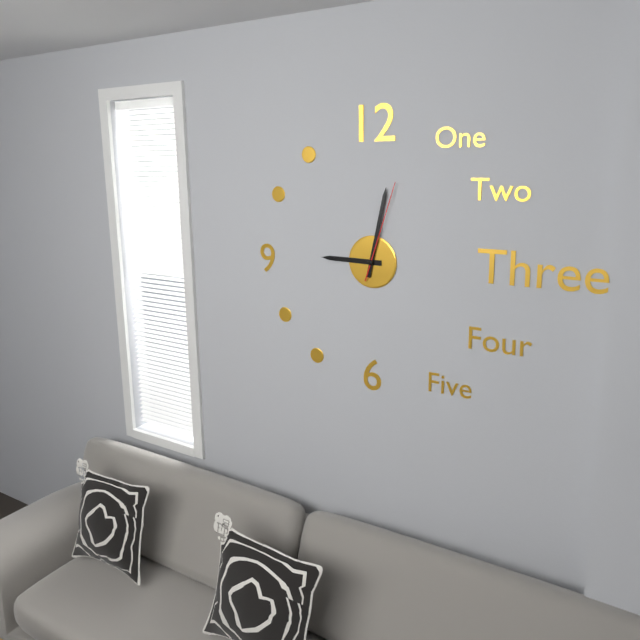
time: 9:02:03
